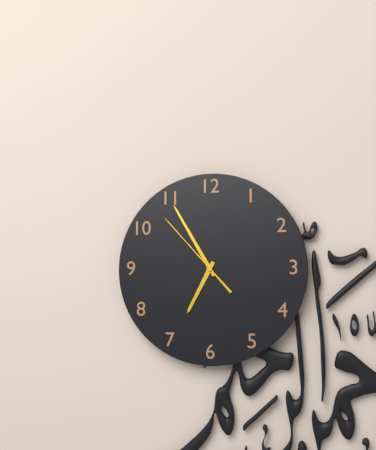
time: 6:55:53
